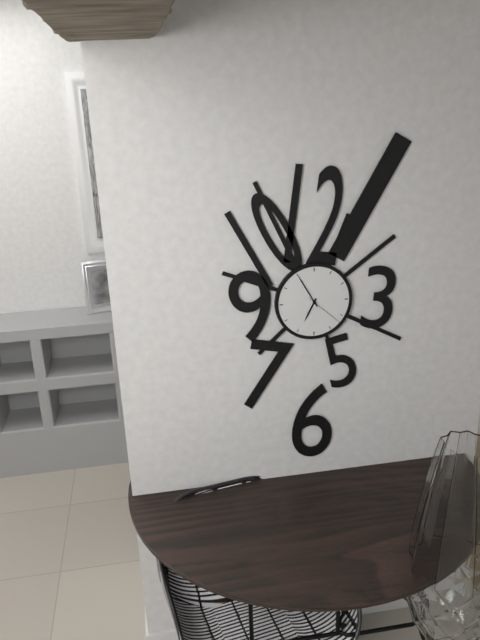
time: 6:55
